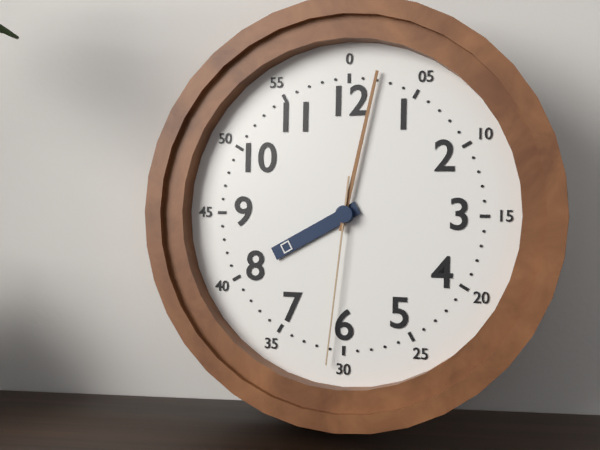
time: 8:02:31
